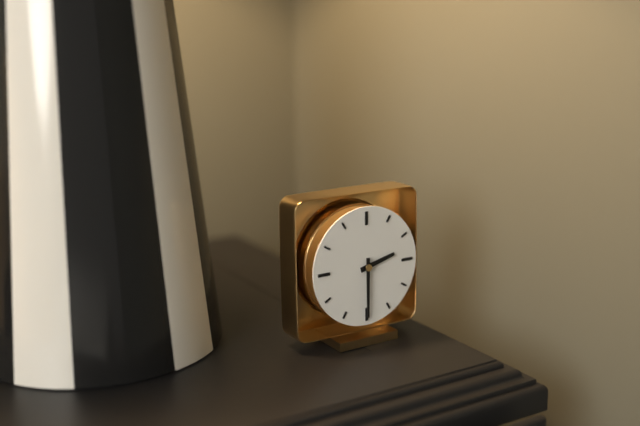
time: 2:30
